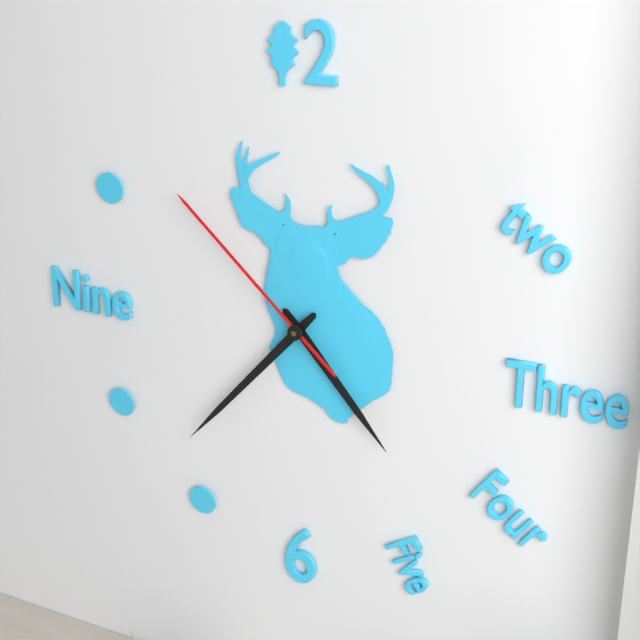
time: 4:37:52
